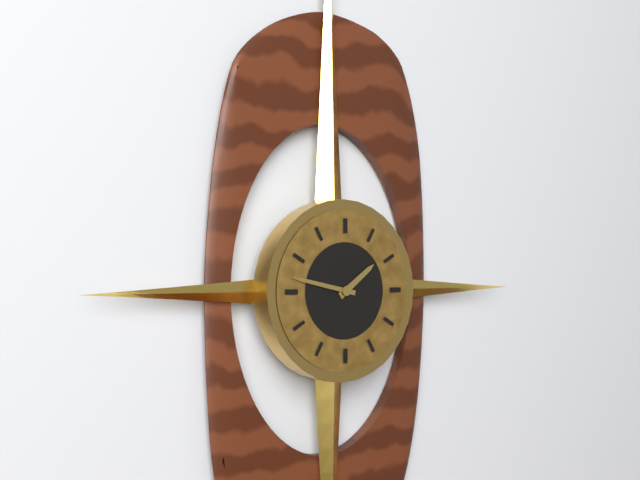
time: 1:47
